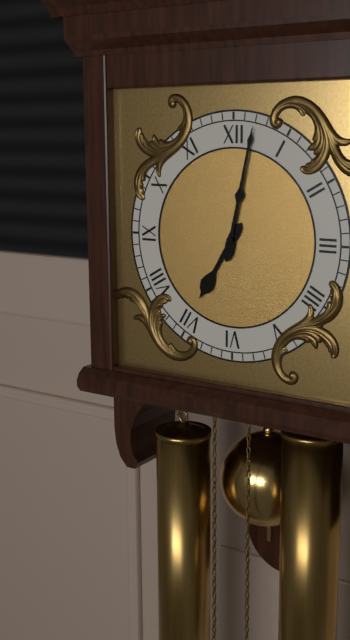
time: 7:02
